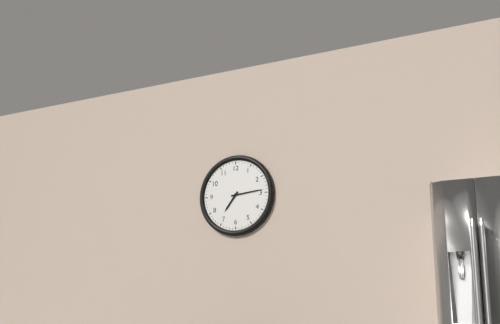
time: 7:14
